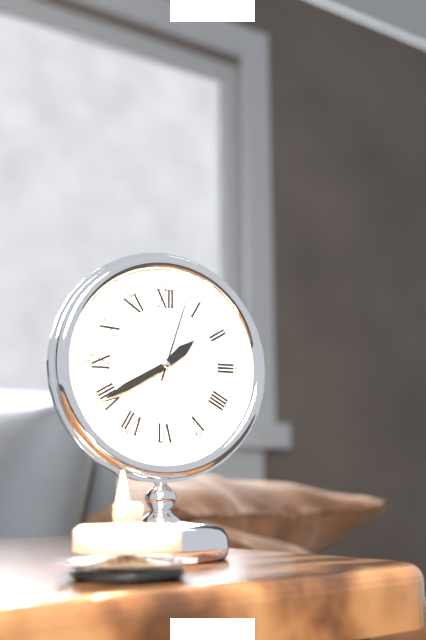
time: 1:40:03
